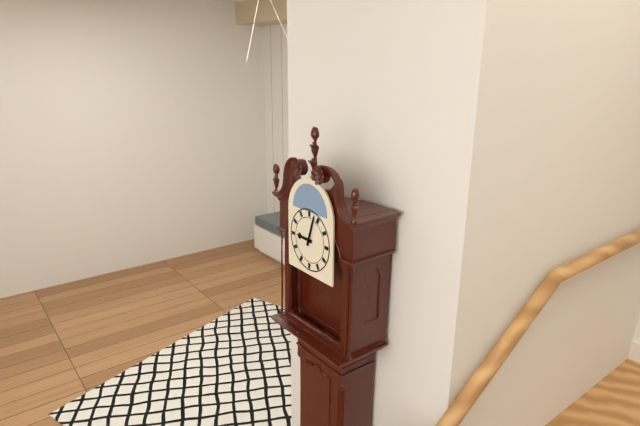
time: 9:03
